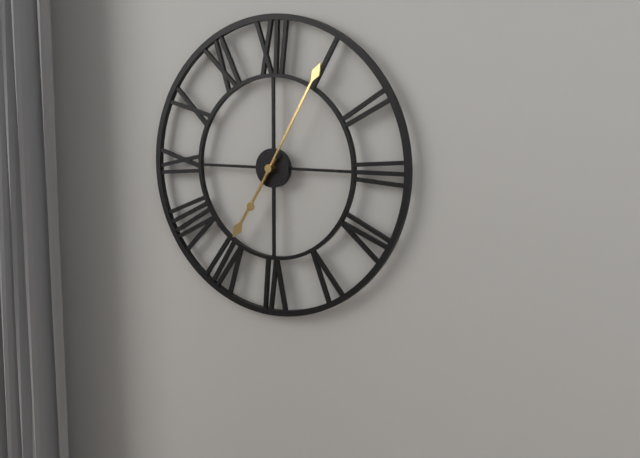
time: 7:05
